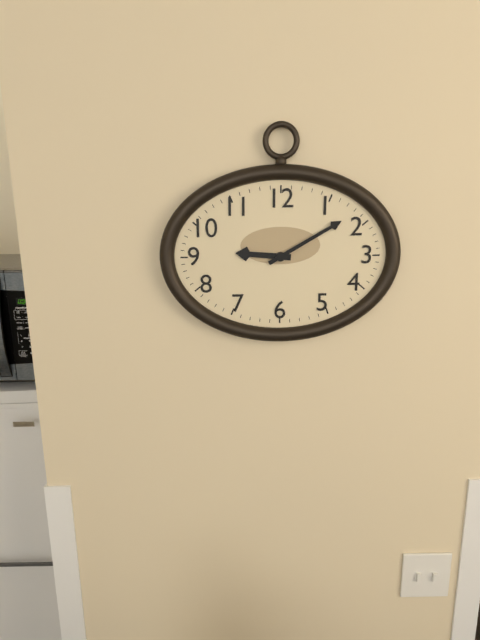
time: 9:10
